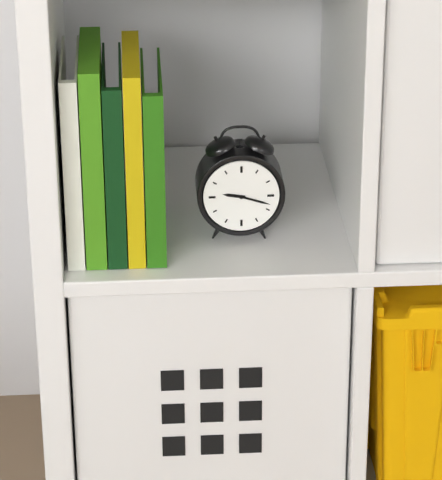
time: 9:18
